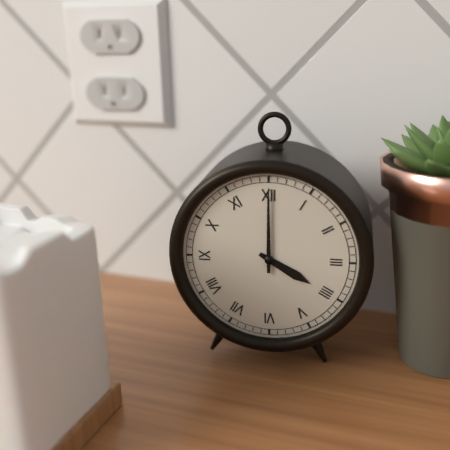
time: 4:00
